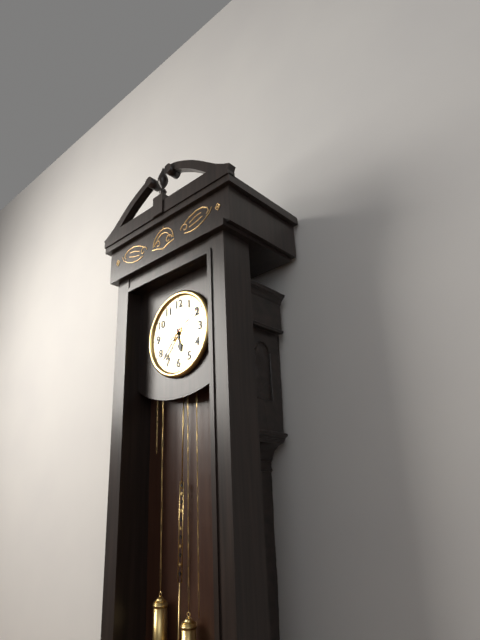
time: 5:37
